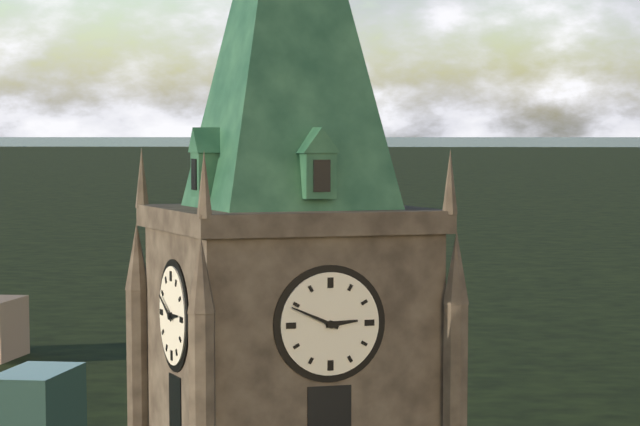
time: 2:49
